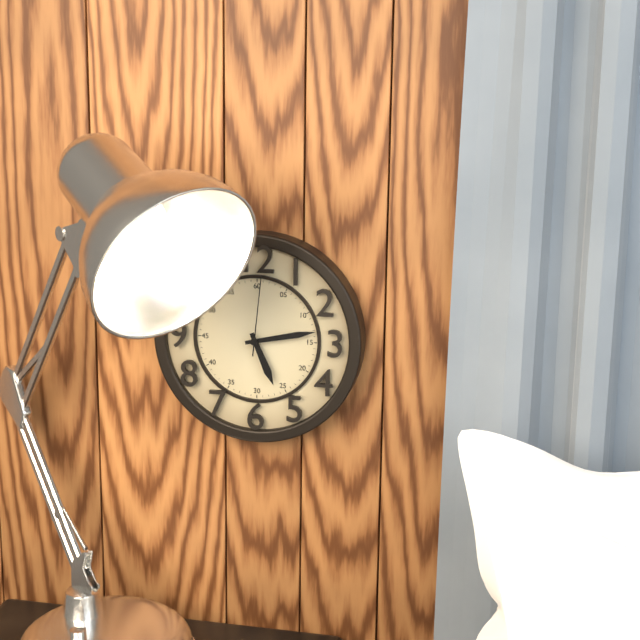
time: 5:13:01
